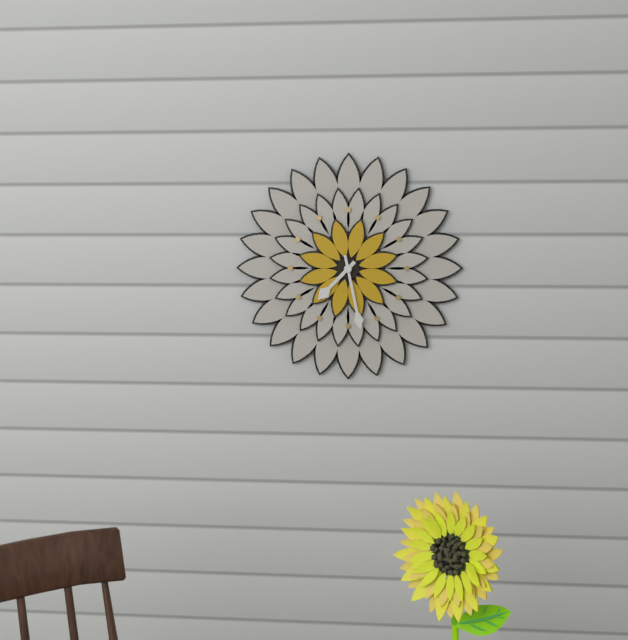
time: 7:28
